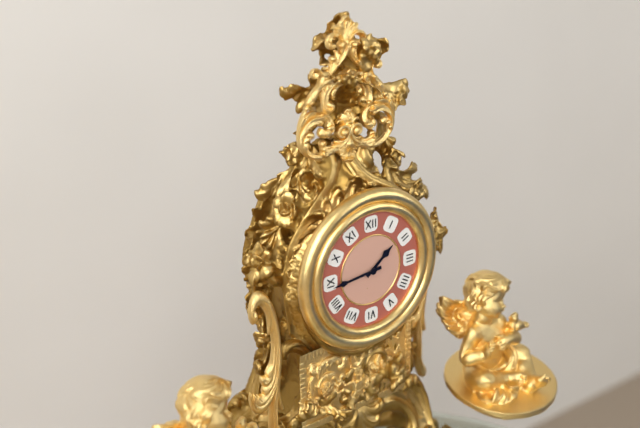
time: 1:44
